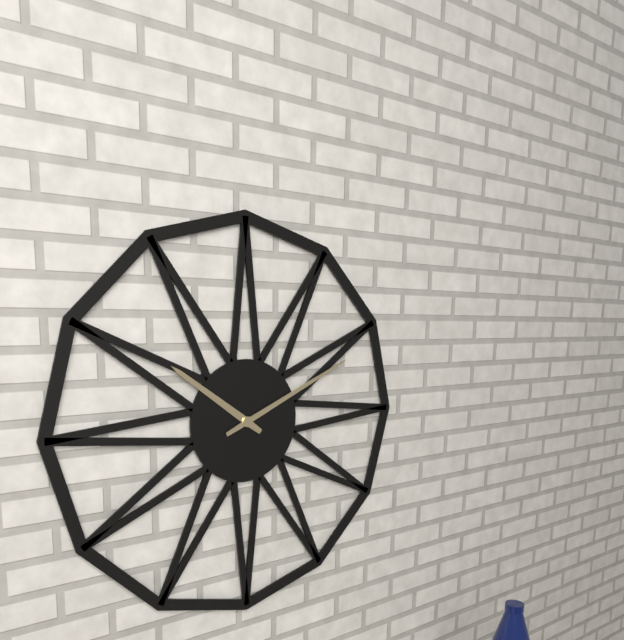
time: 10:11
